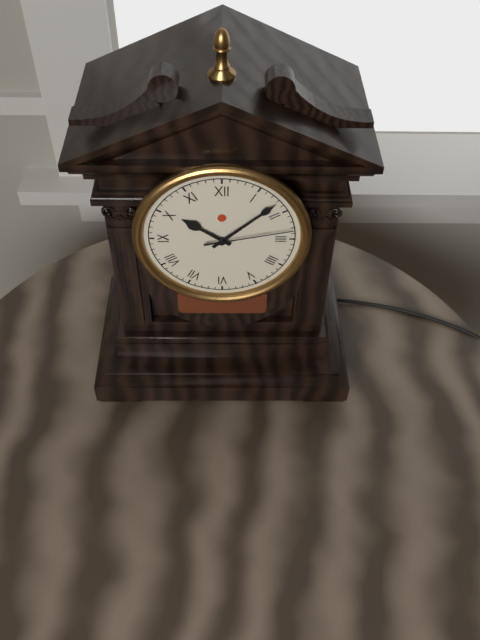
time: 10:08:13
